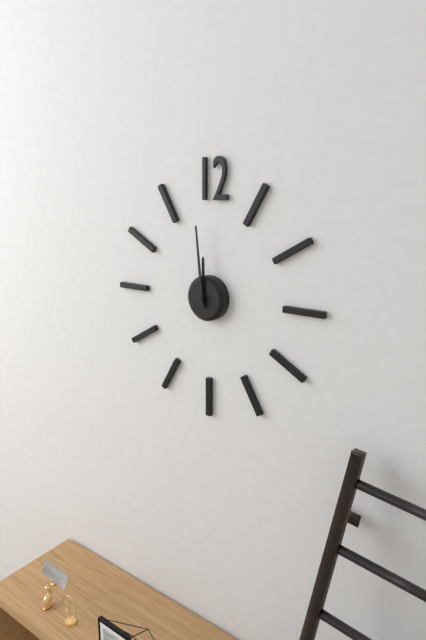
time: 11:59
